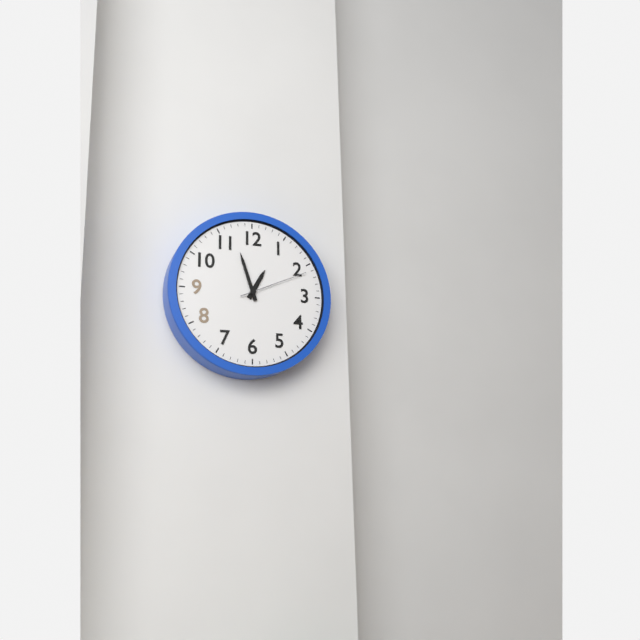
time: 12:57:11
